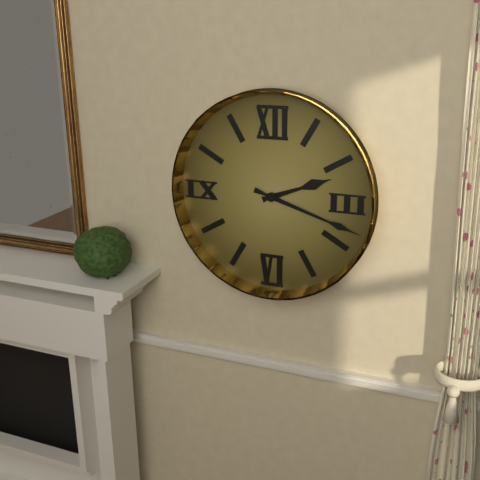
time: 2:18
